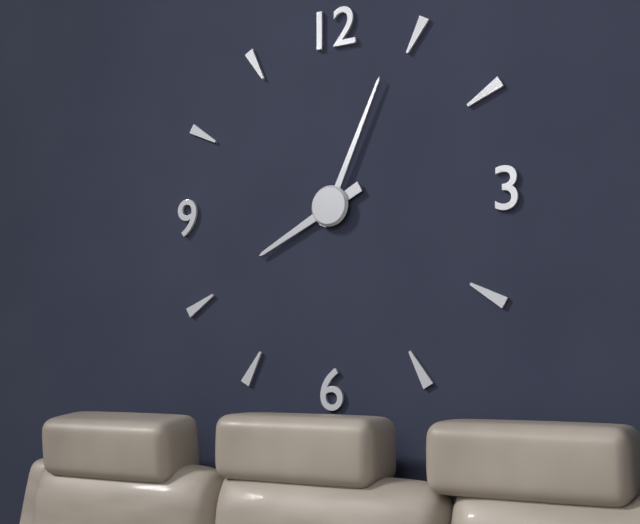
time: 8:04
